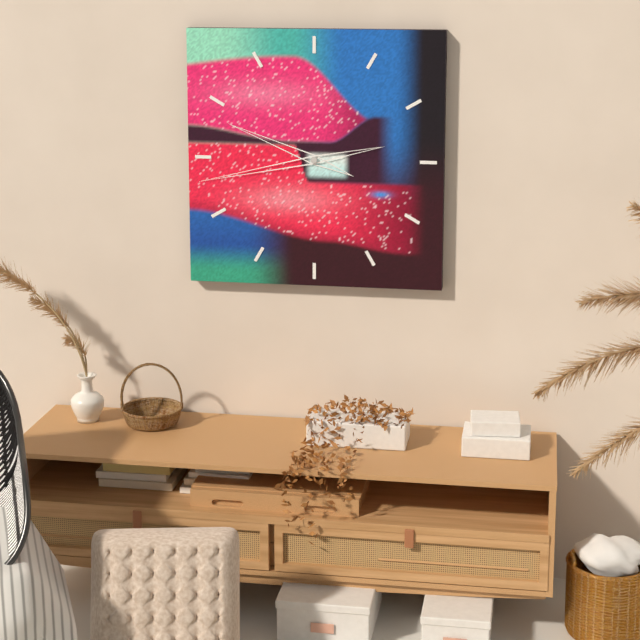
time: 9:43
